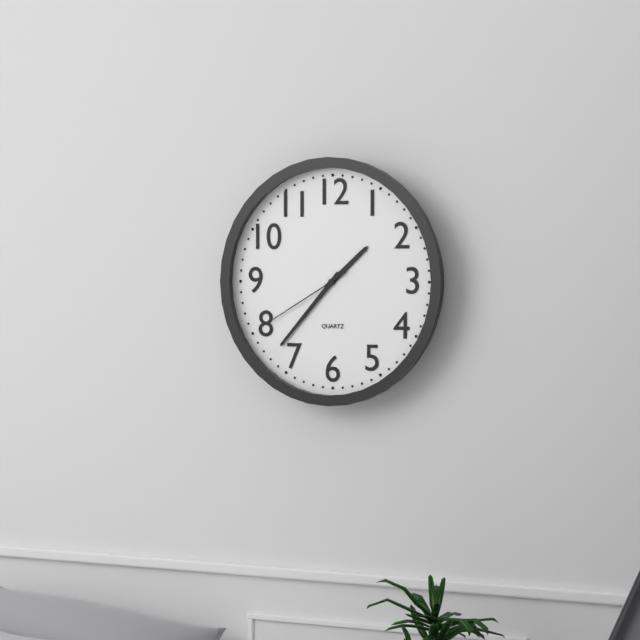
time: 1:37:40
